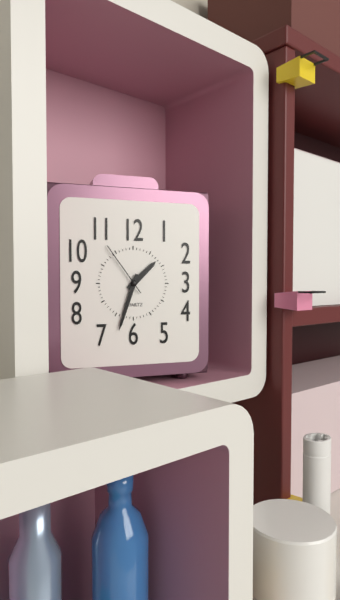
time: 1:33:54
